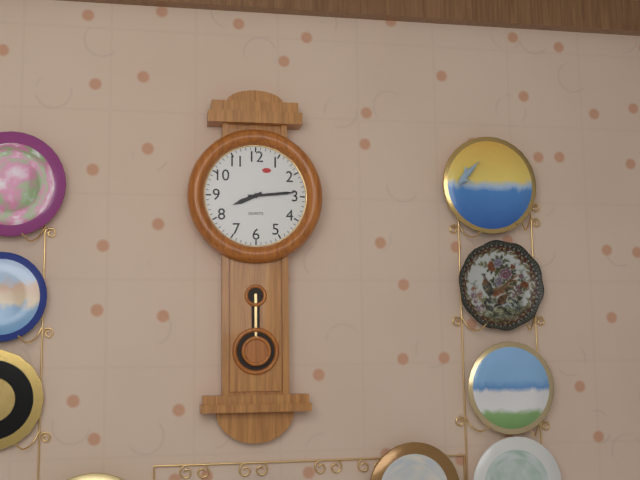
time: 8:14
